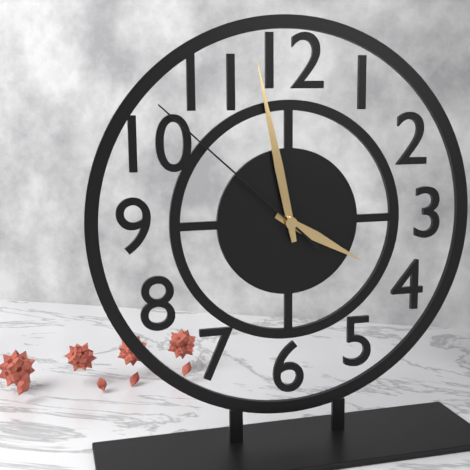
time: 3:58:52
